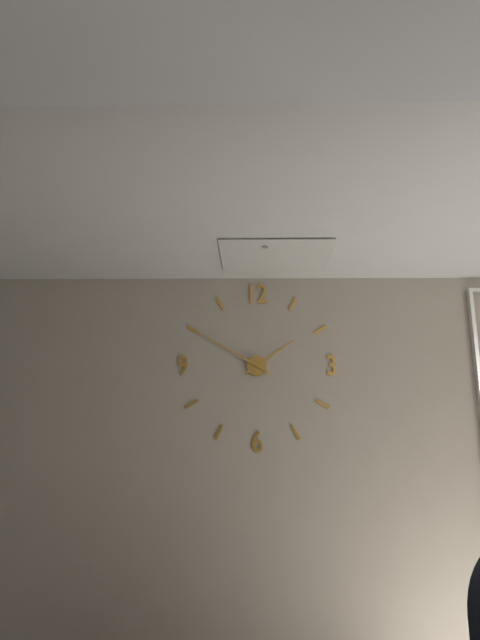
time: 1:50
